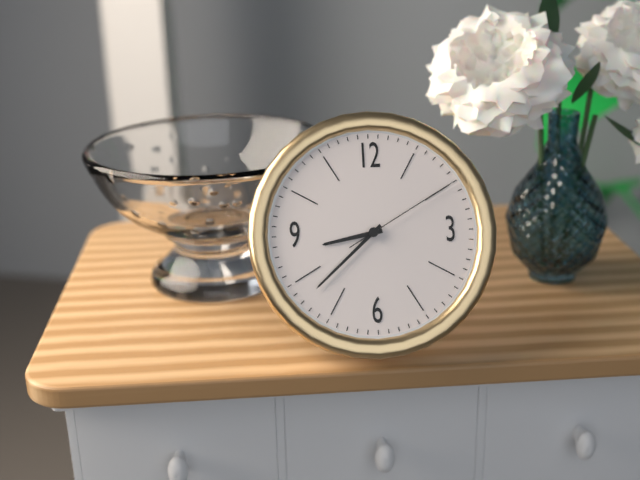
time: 8:38:10
